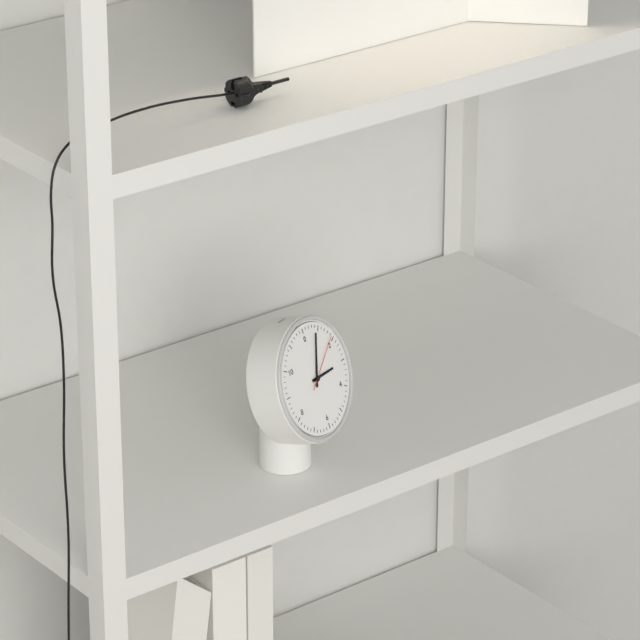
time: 3:04:09
